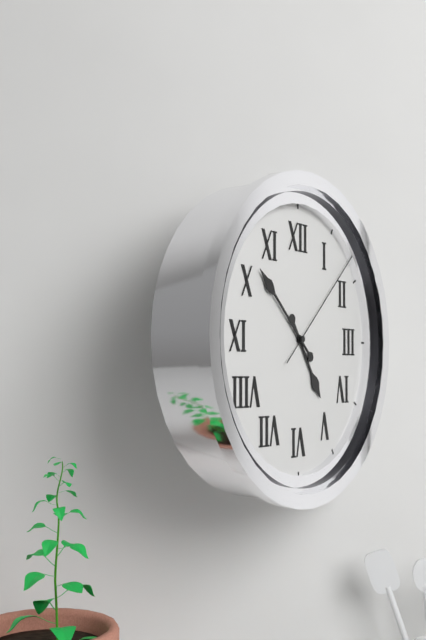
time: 4:52:08
